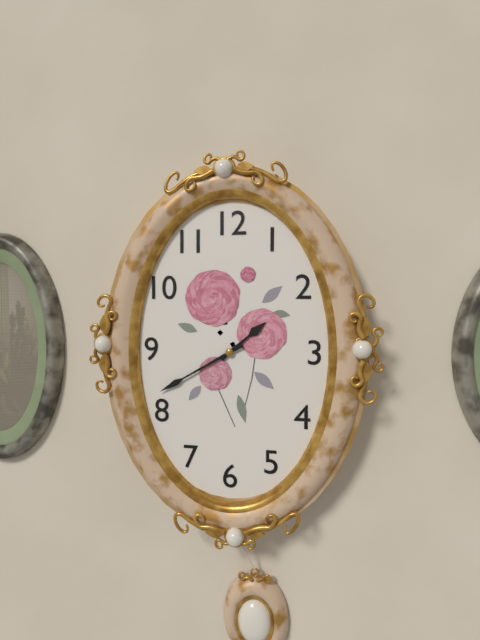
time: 1:40
